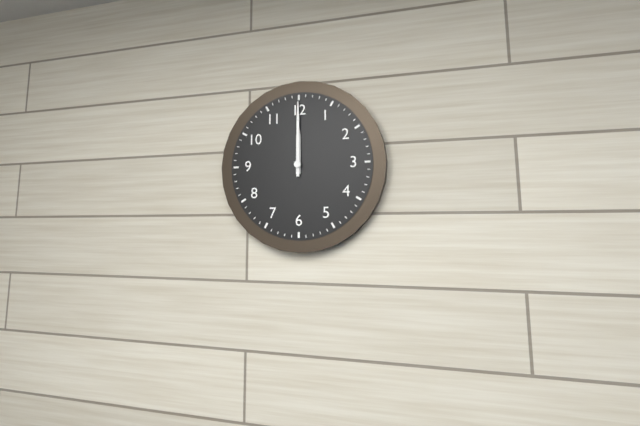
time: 12:00
